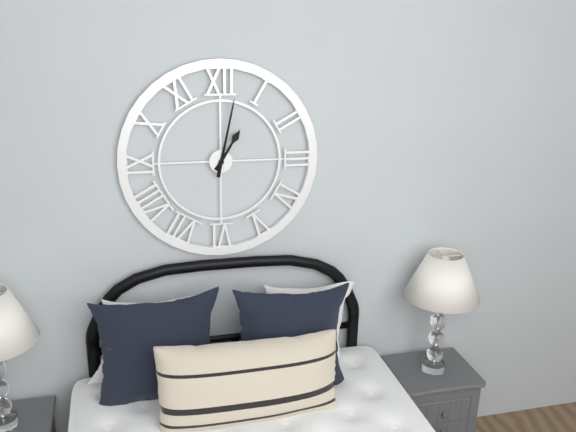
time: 1:02
